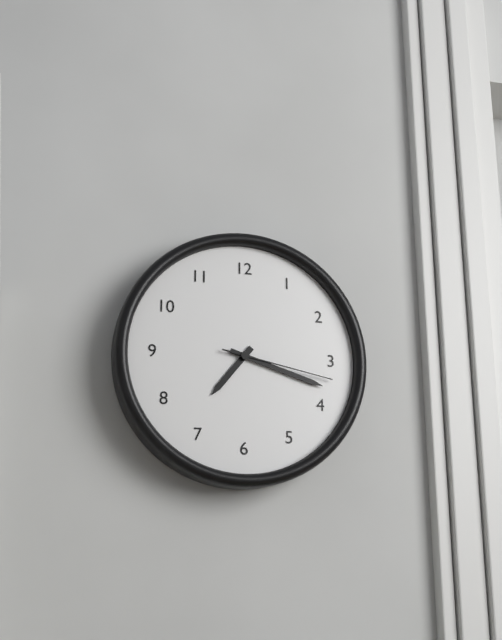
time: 7:18:17
